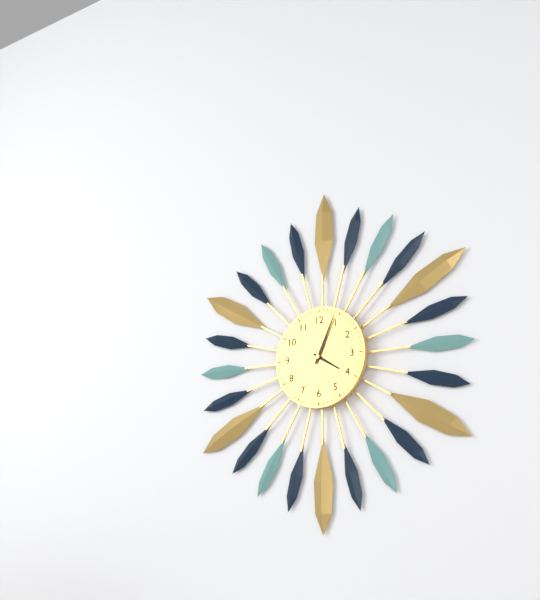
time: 4:04
